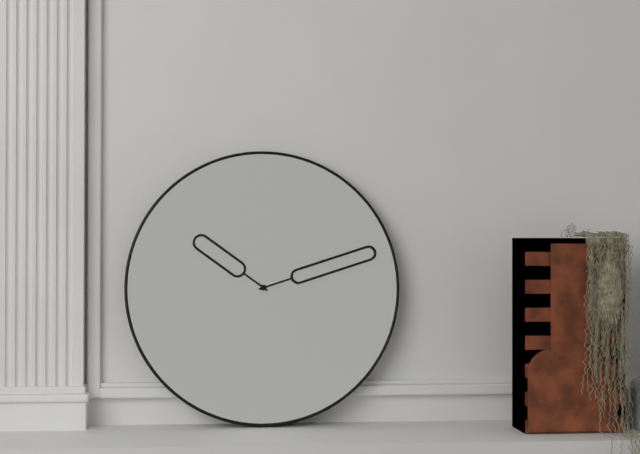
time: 10:12
